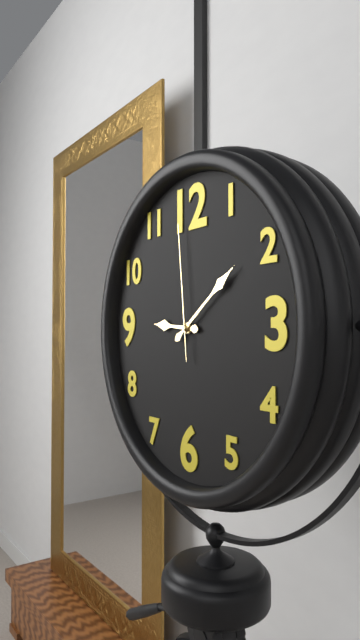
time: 9:09:59
